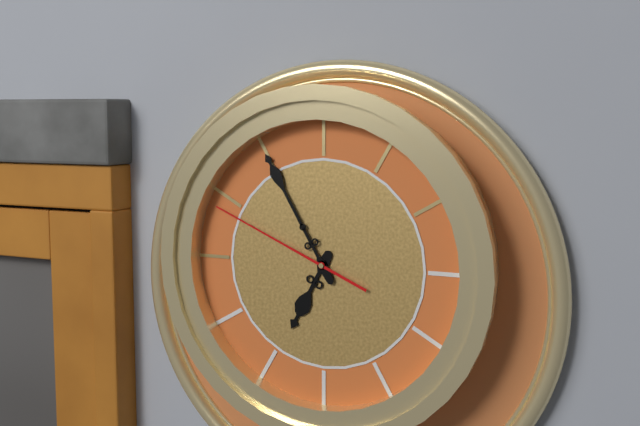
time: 6:55:49
